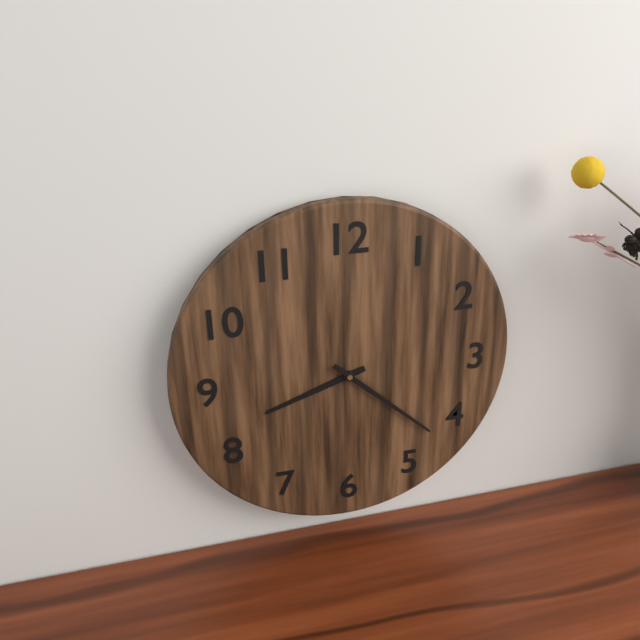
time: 8:22
